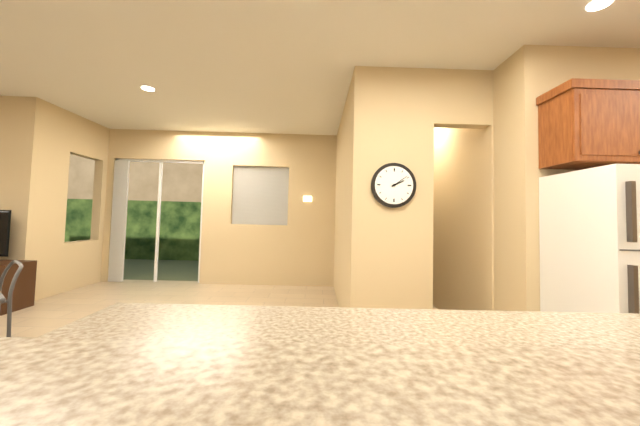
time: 2:09
